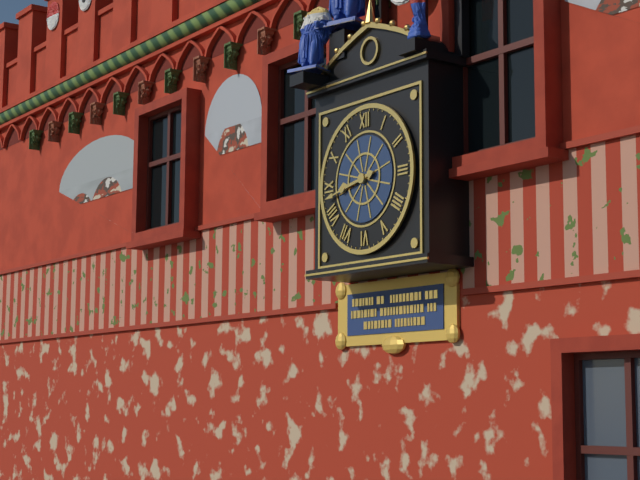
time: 8:43
